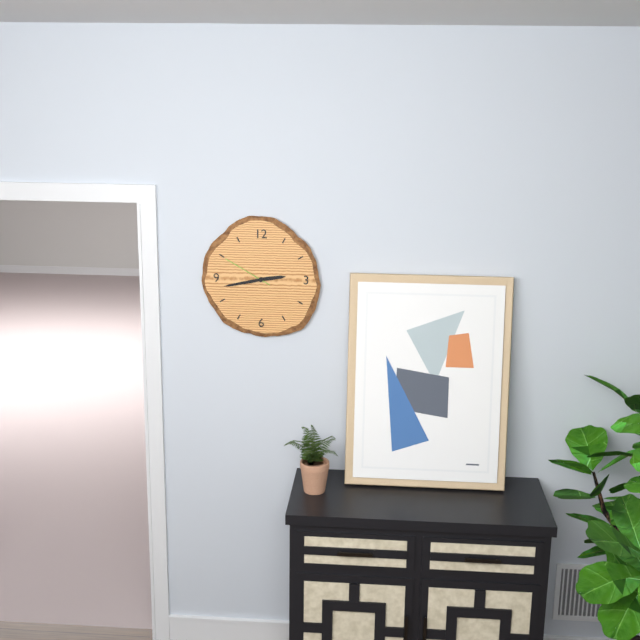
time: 2:43:50
